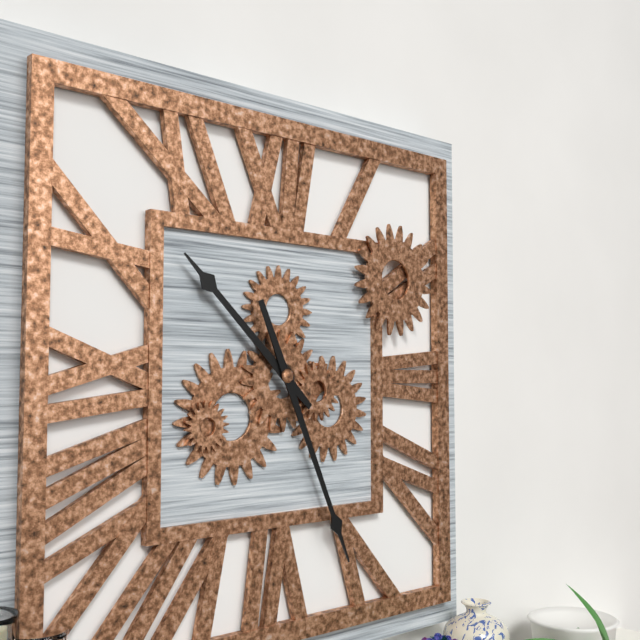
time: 10:26
